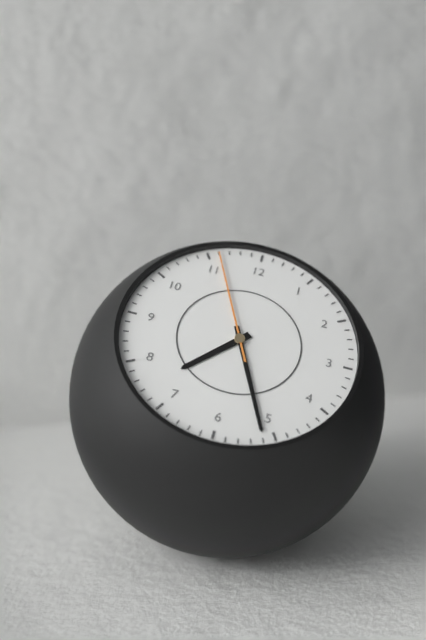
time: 7:26:56
